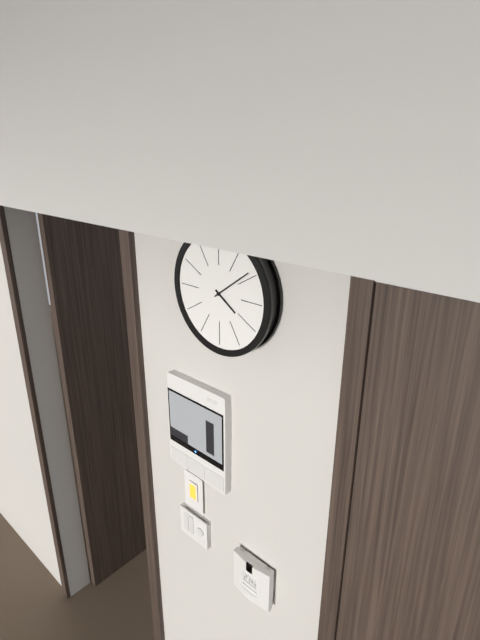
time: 4:09
